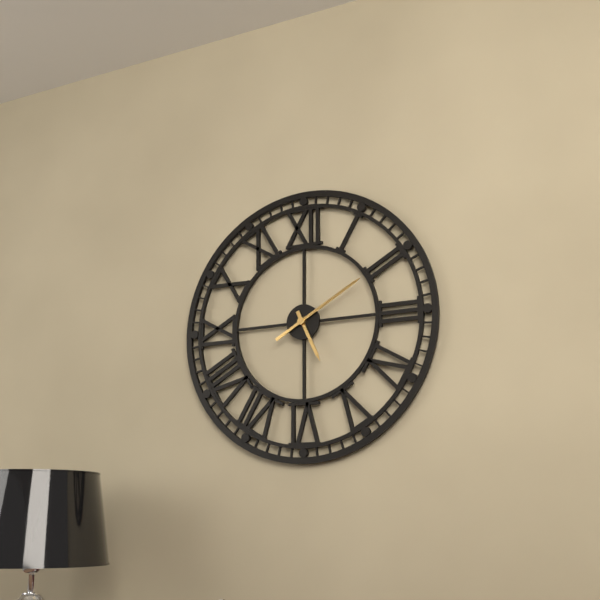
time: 5:10
